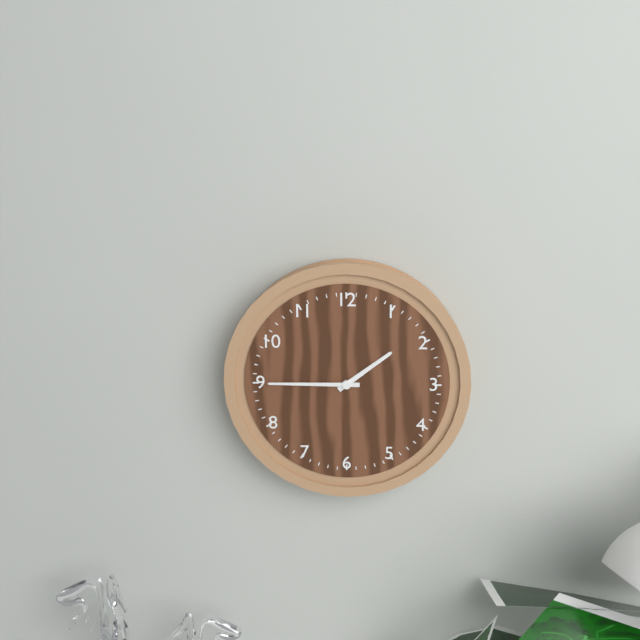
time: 1:45
